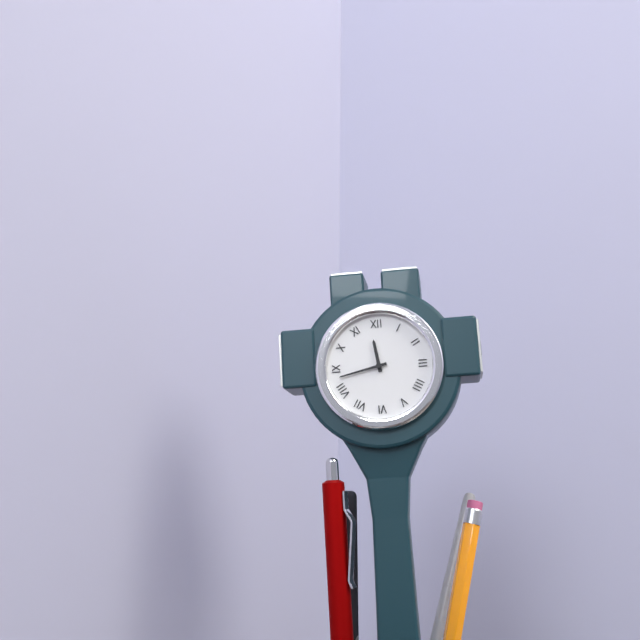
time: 11:43
